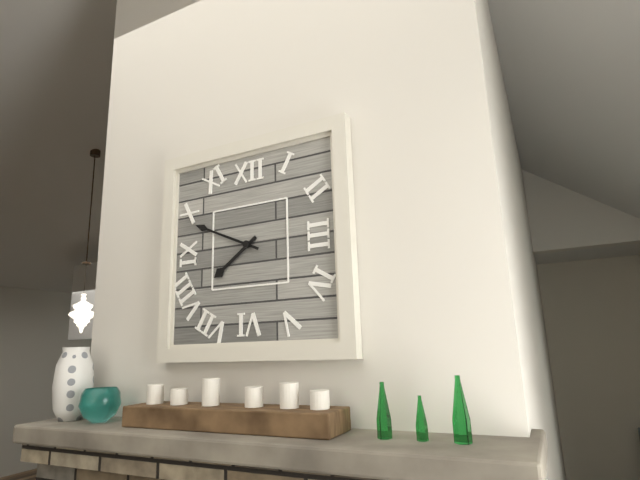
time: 7:49
